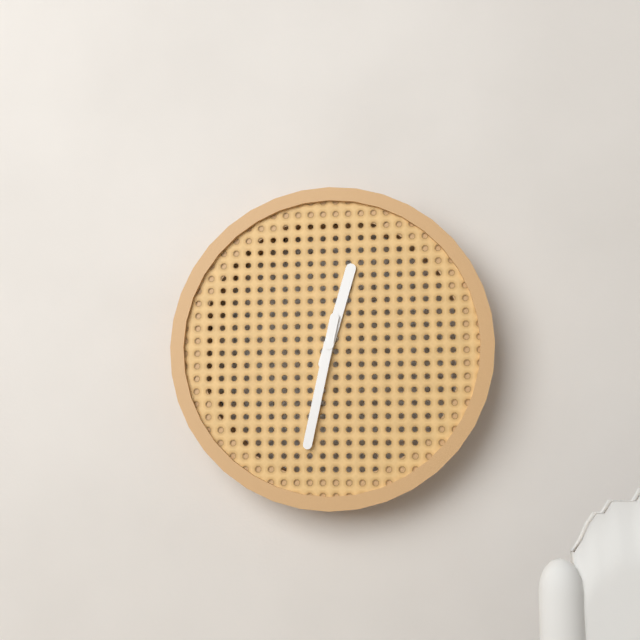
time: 12:32
